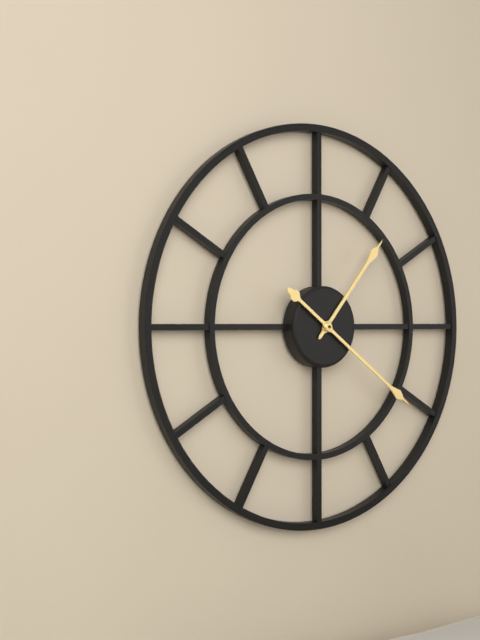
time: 1:21
